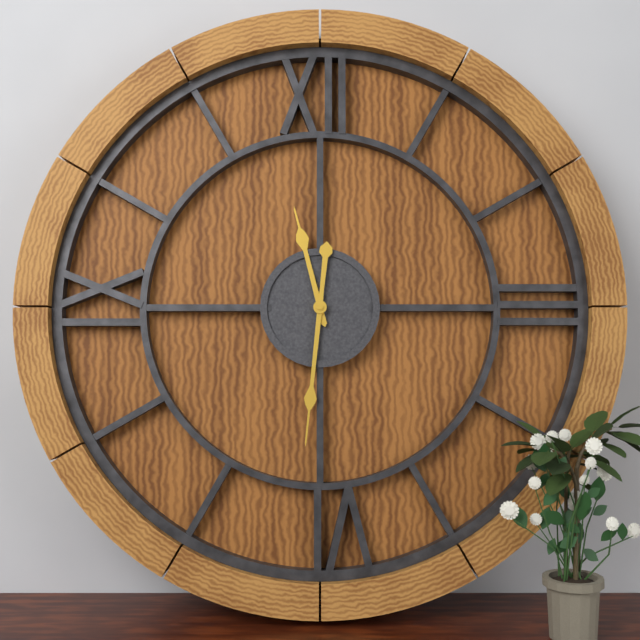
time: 11:31
